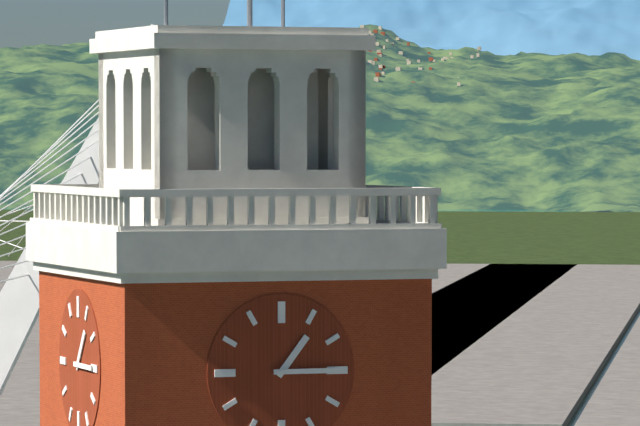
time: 1:15
